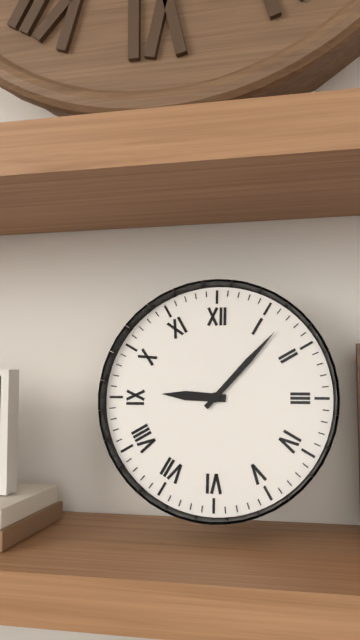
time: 9:07
